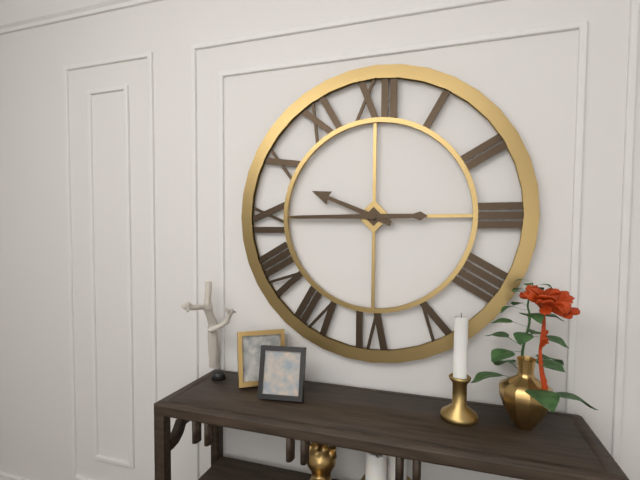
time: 9:45
